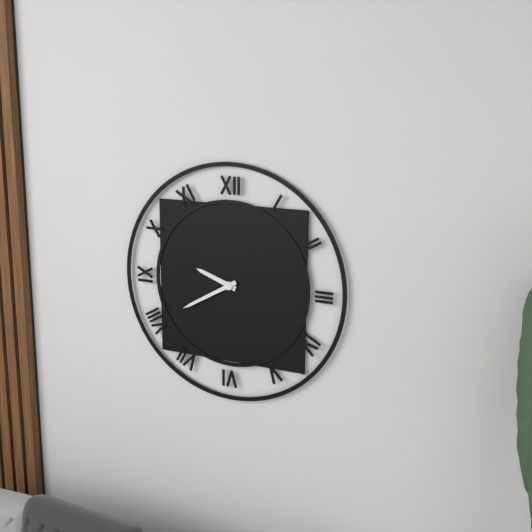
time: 9:40
